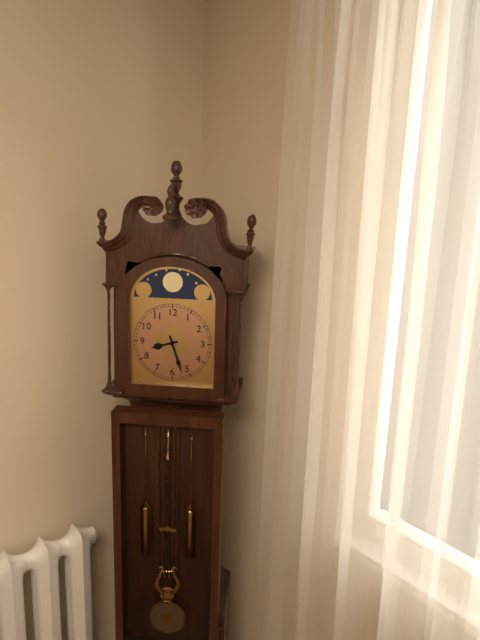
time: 8:27
